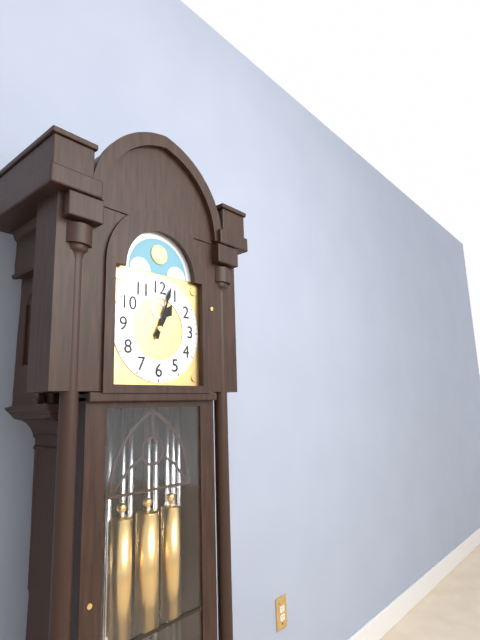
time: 1:03
